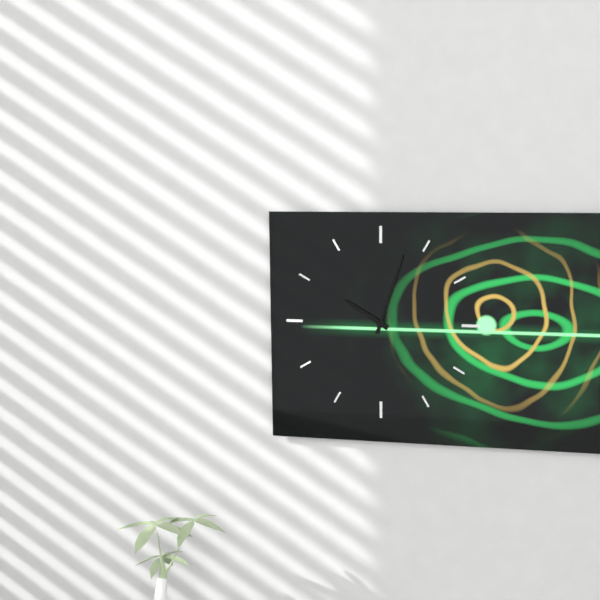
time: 10:03
